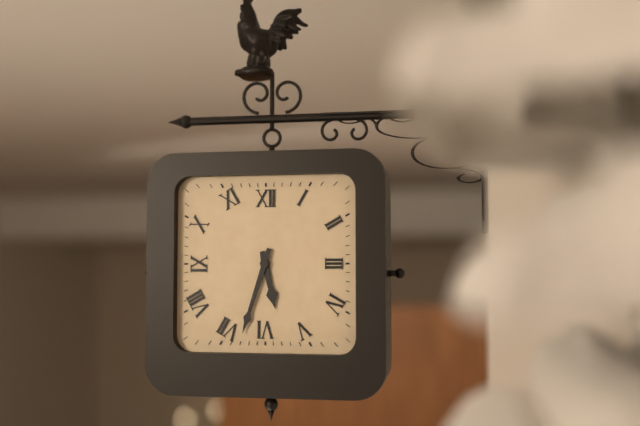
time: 5:33
